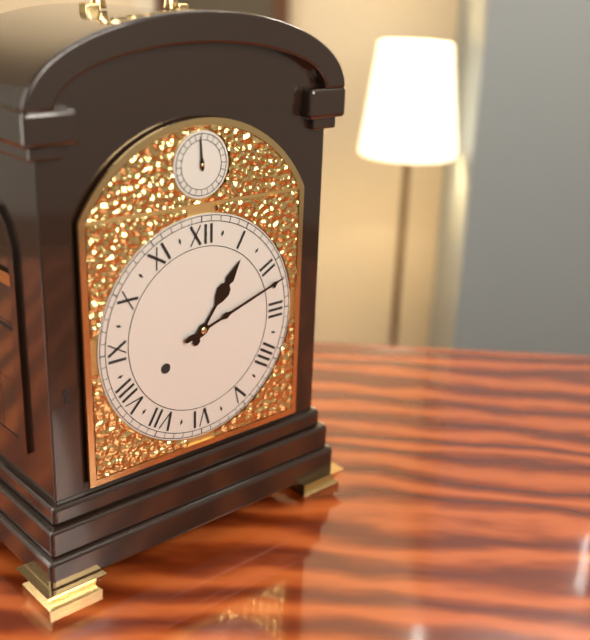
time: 1:12
